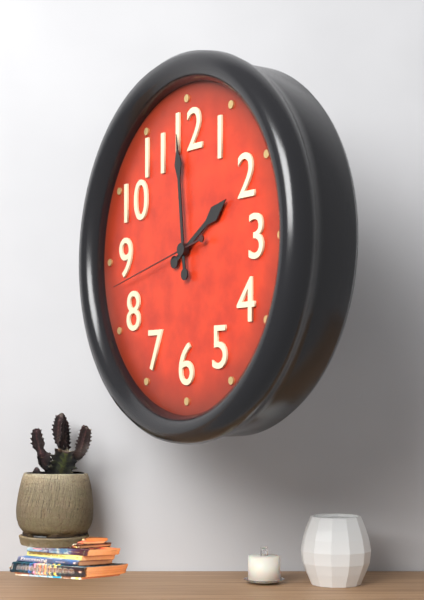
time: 1:59:43
